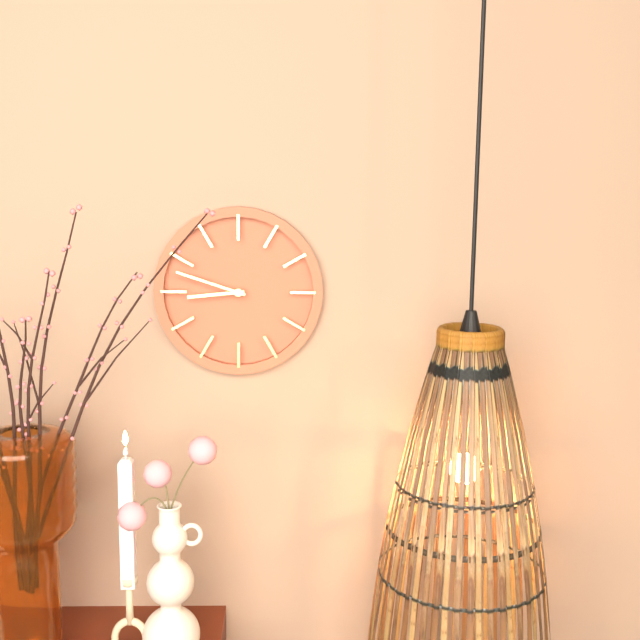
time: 8:48
